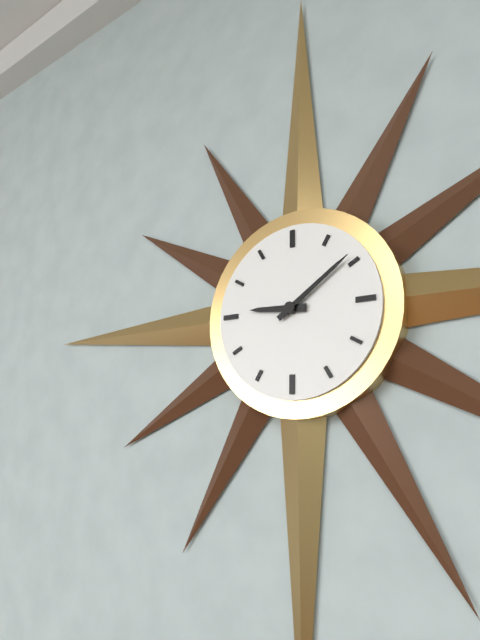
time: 9:09
